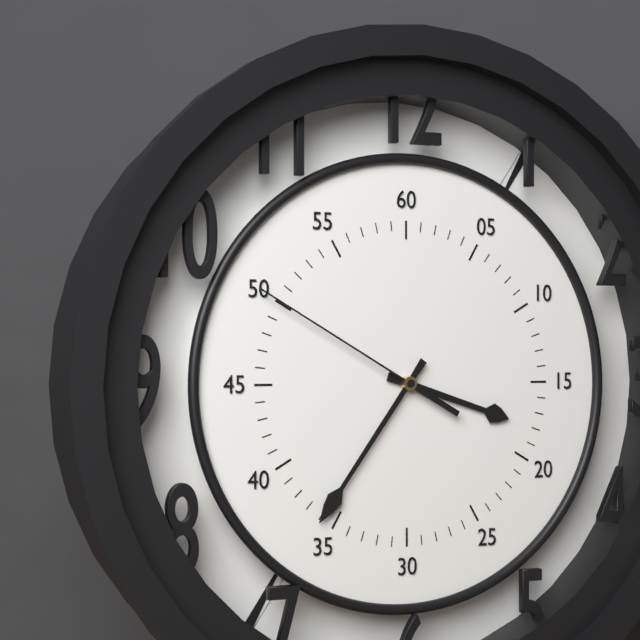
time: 3:36:50
